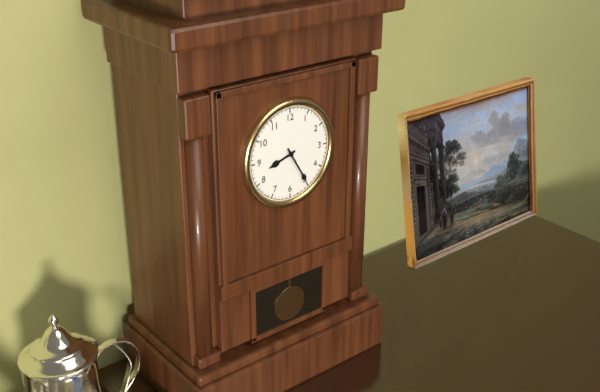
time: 8:25
